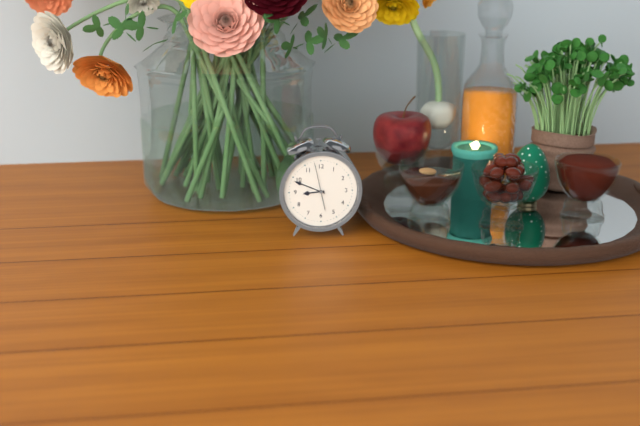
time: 8:49
